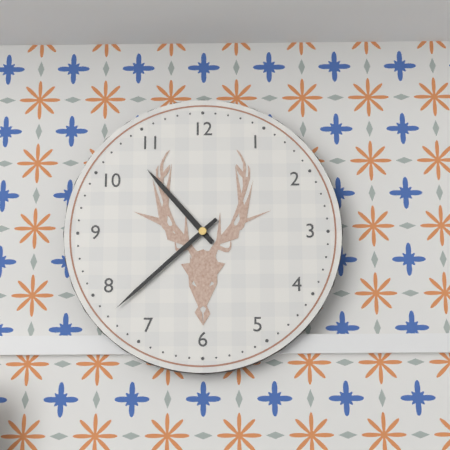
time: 10:38
